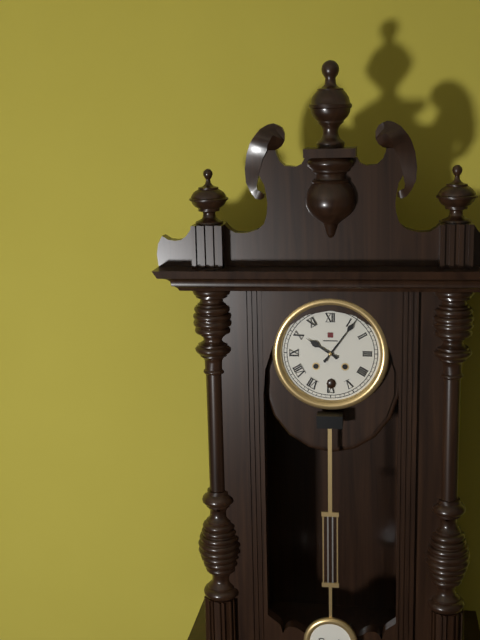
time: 10:06
